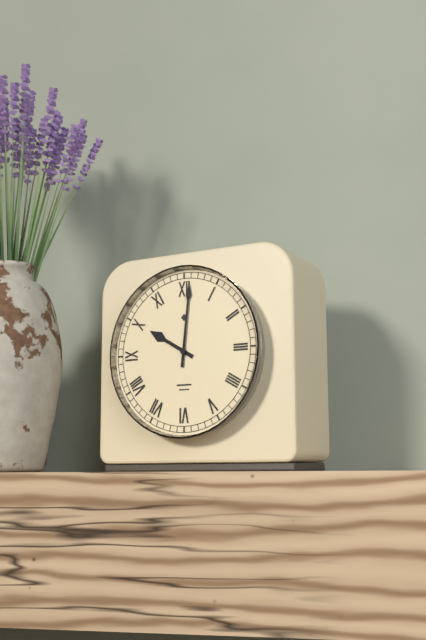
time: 10:01
